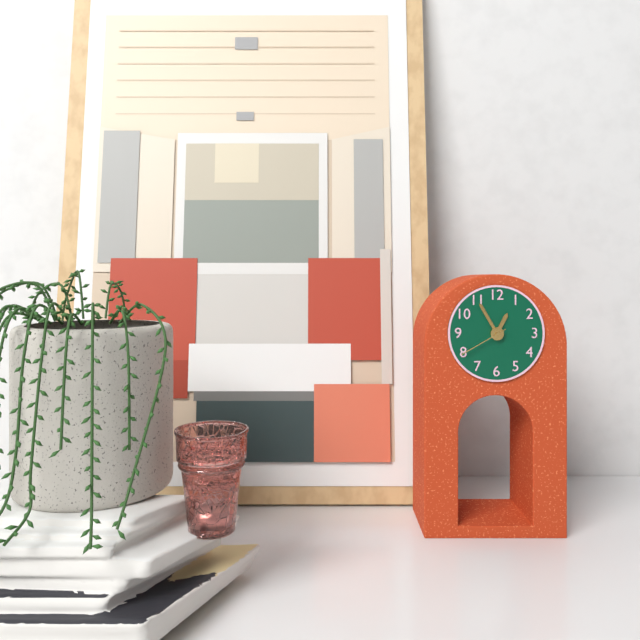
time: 12:55:40
